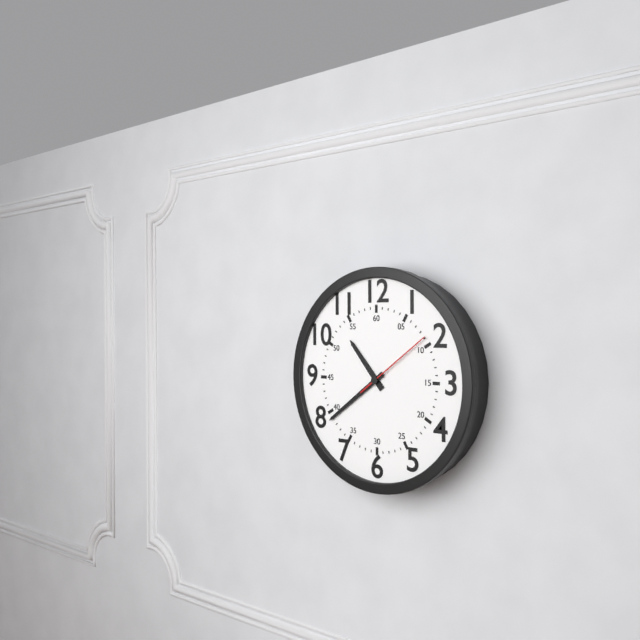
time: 10:39:09
